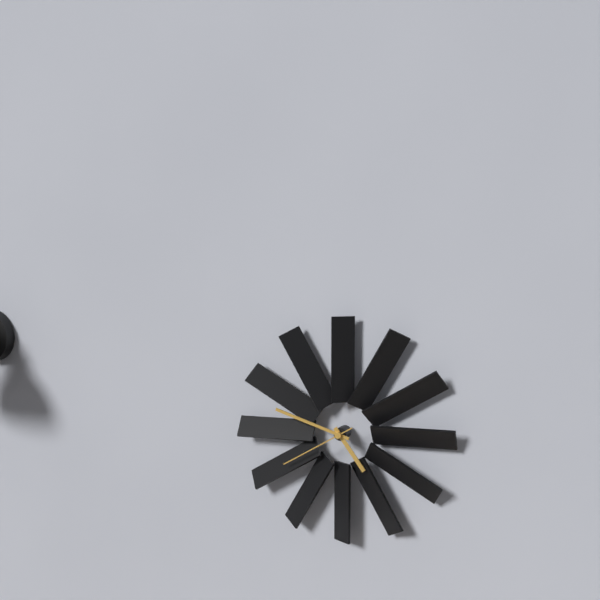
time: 4:48:40
